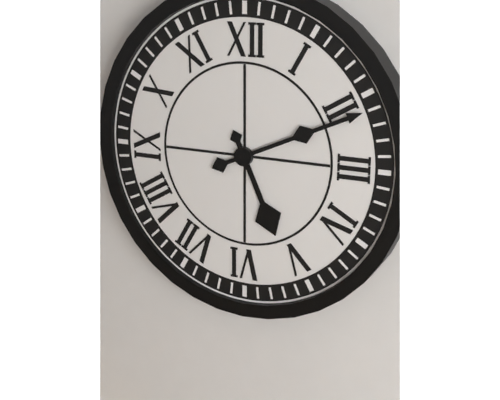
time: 5:11
